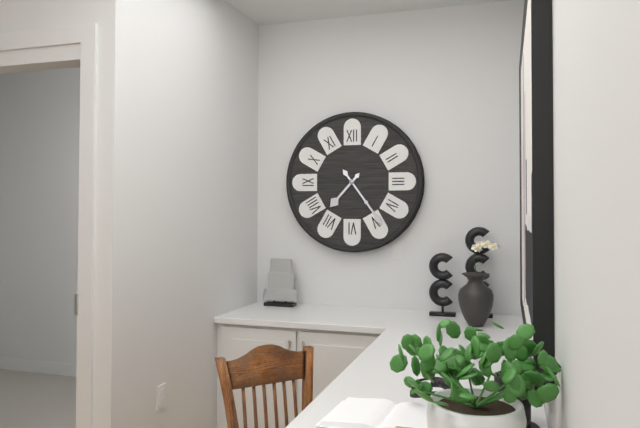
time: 7:24
